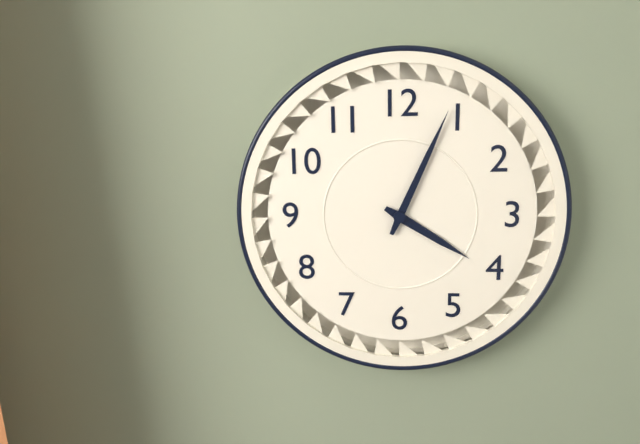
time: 4:04
